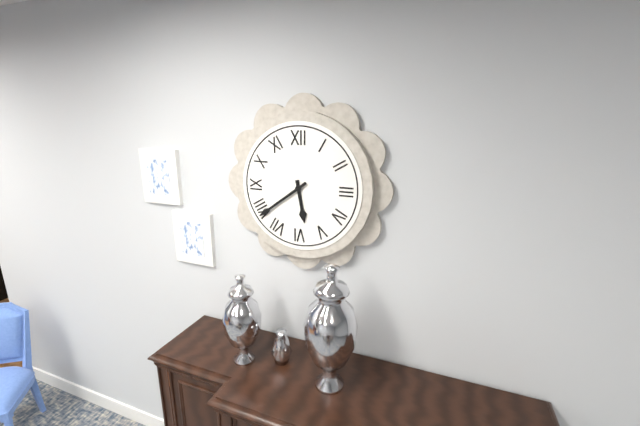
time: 5:39
